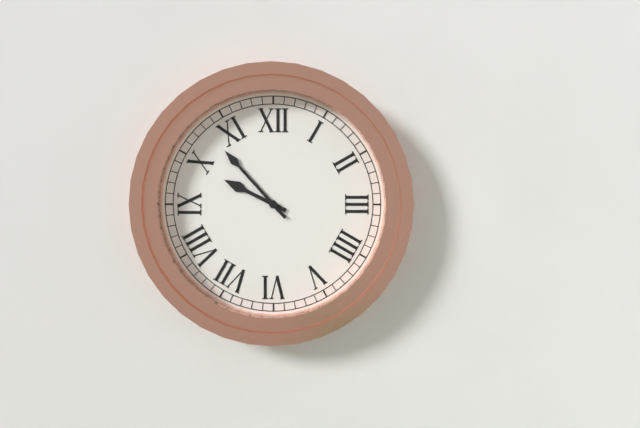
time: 9:53
